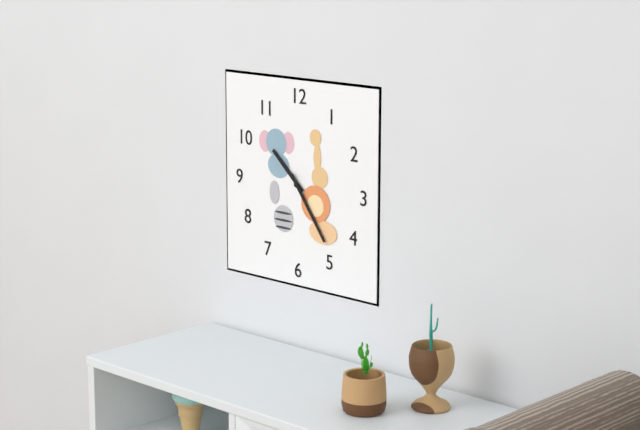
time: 10:24
